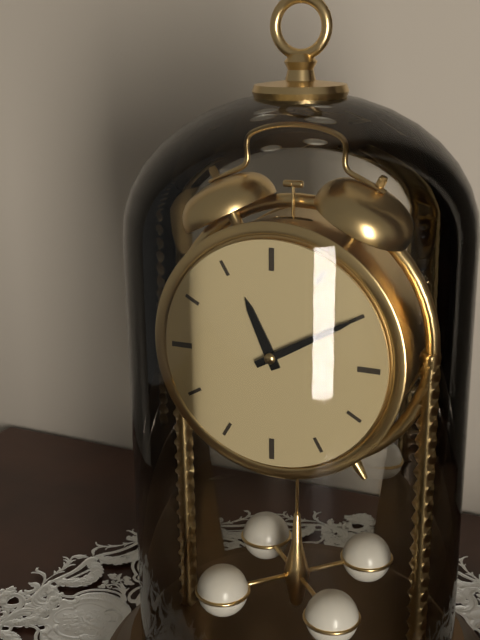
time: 11:10
